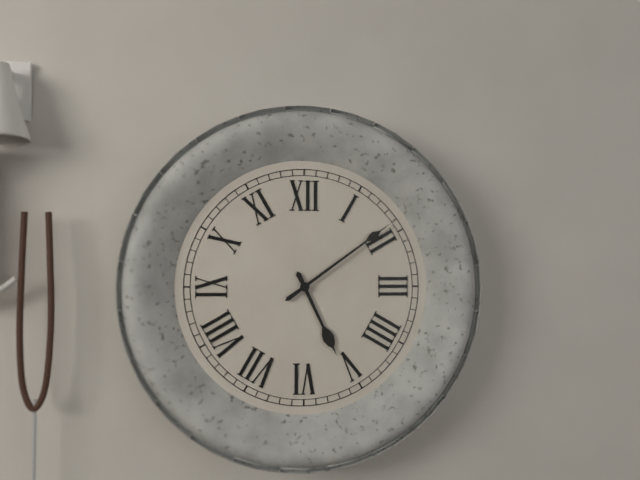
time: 5:09
